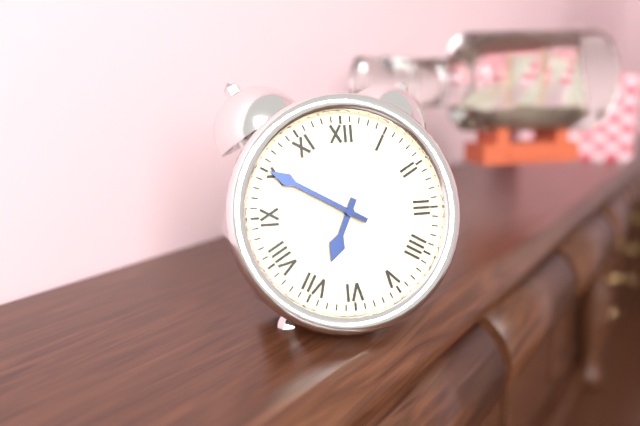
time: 6:50
